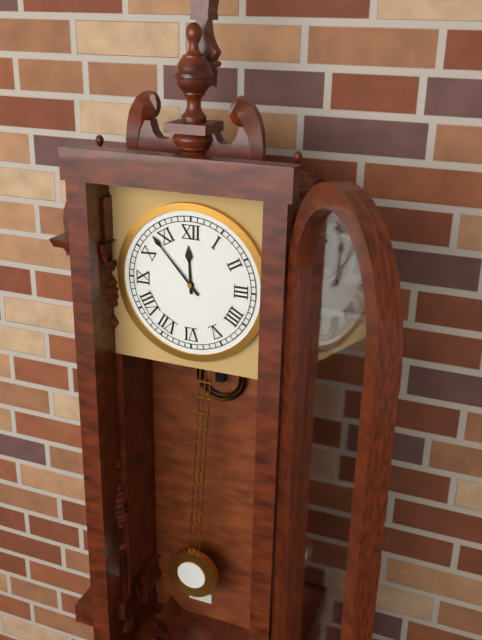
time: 11:53
